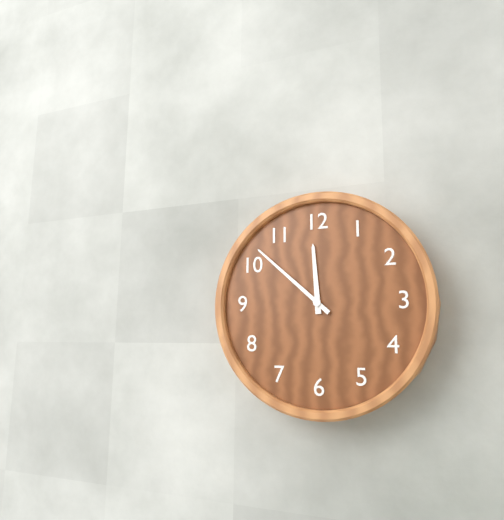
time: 11:52
